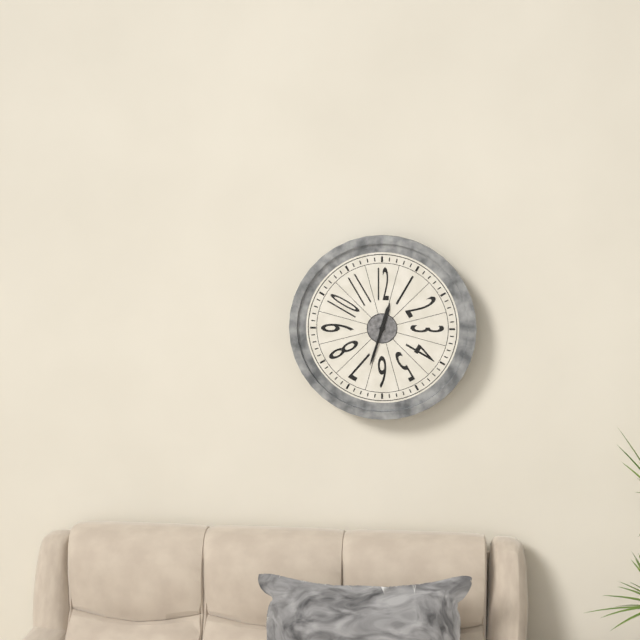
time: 12:33
